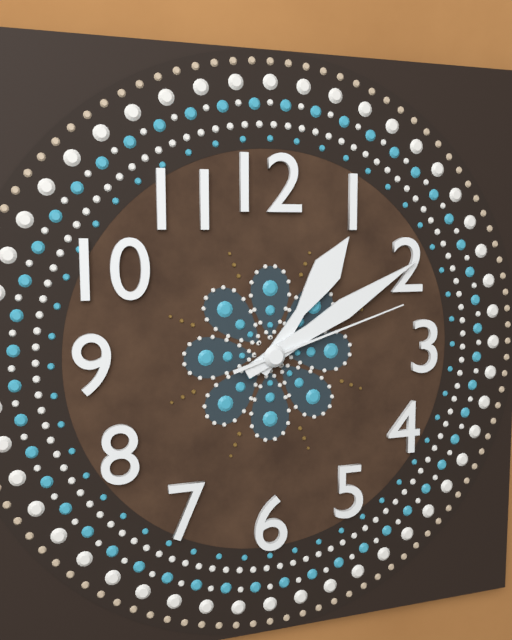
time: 1:10:12
